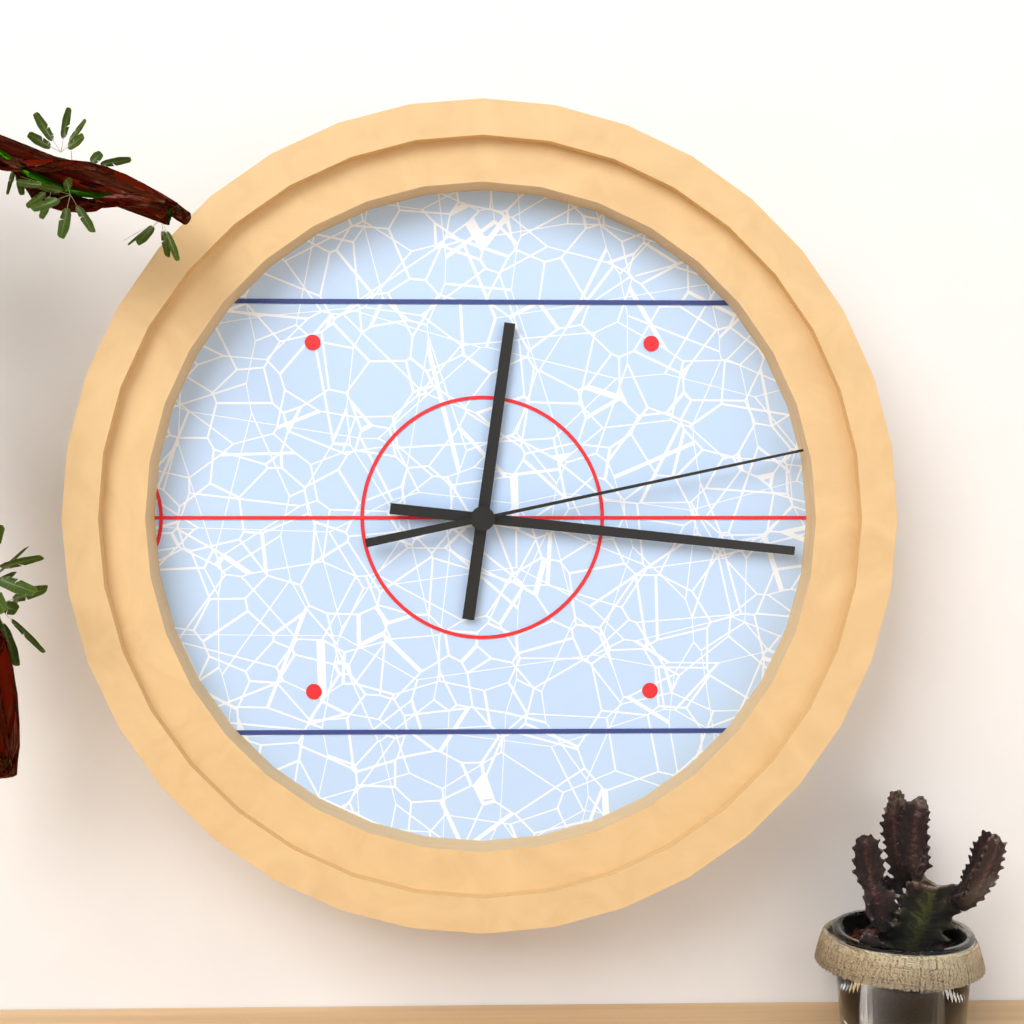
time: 12:16:13
